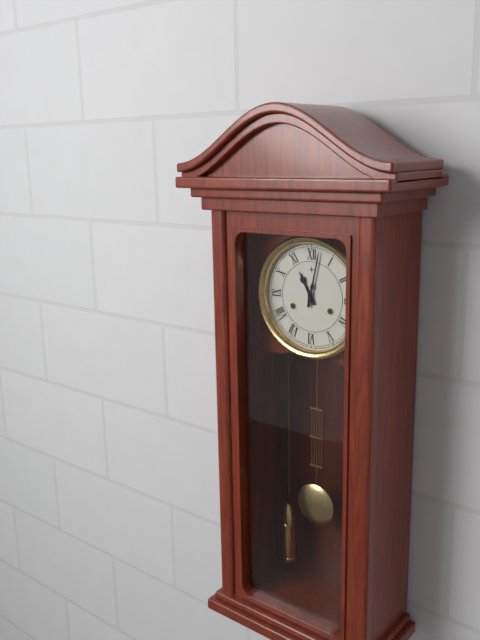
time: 11:02
